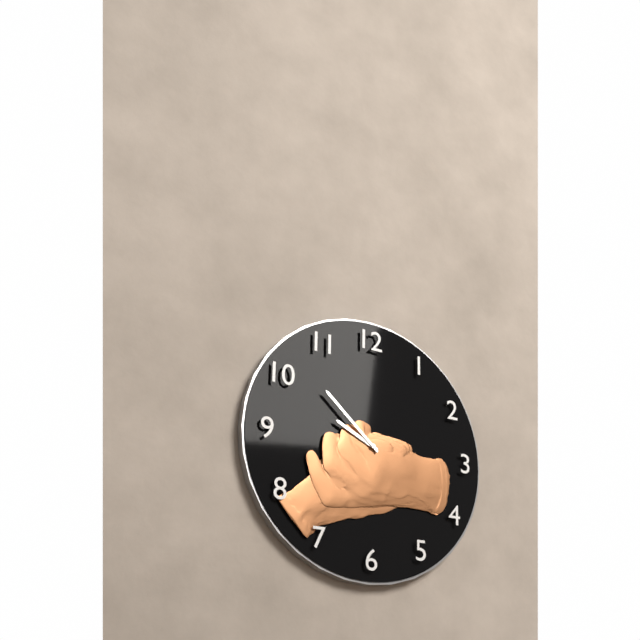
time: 9:52
